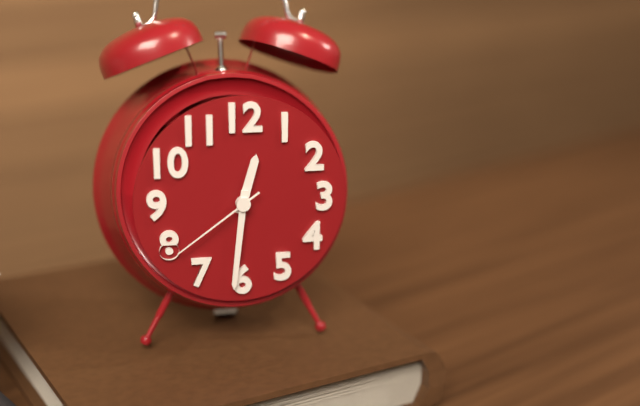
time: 12:31:39
